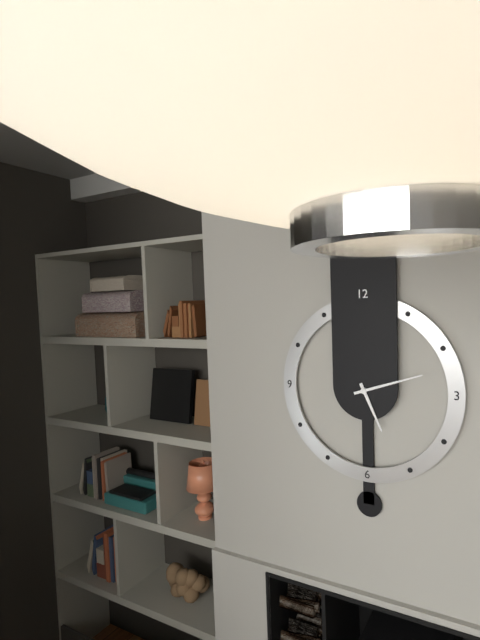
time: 5:12
